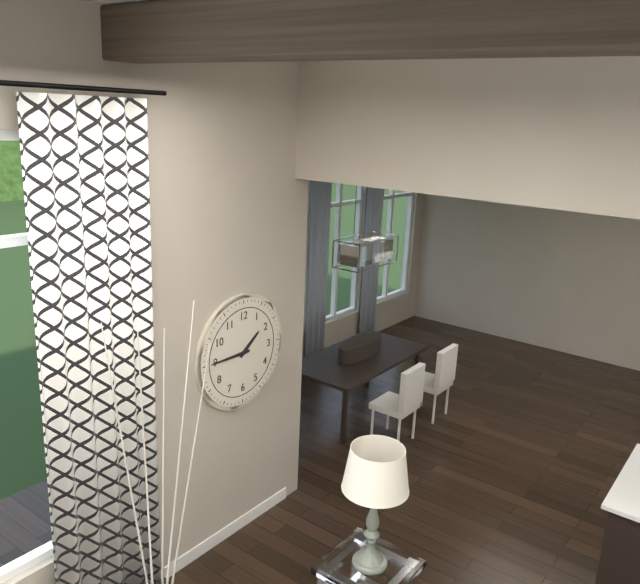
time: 1:45
